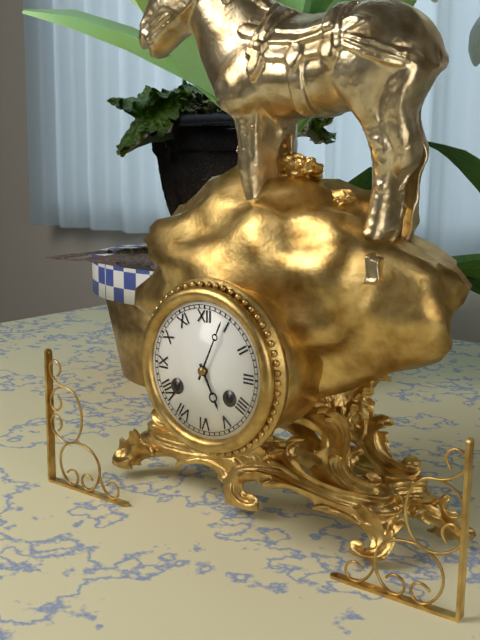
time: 5:04
